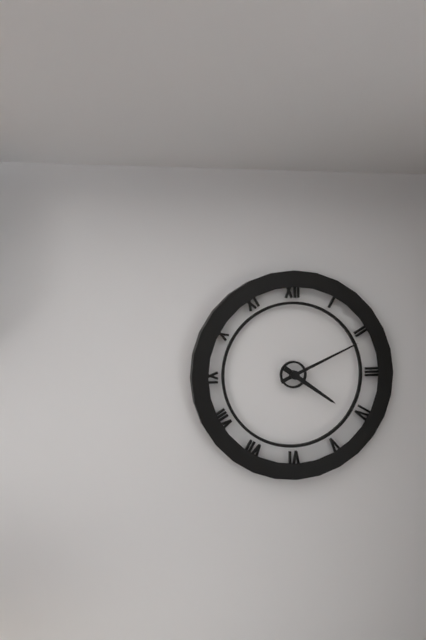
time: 4:11
